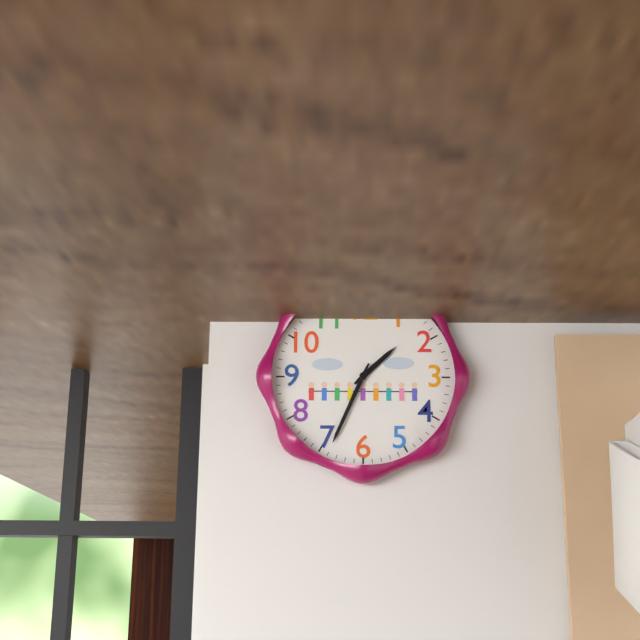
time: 1:34
